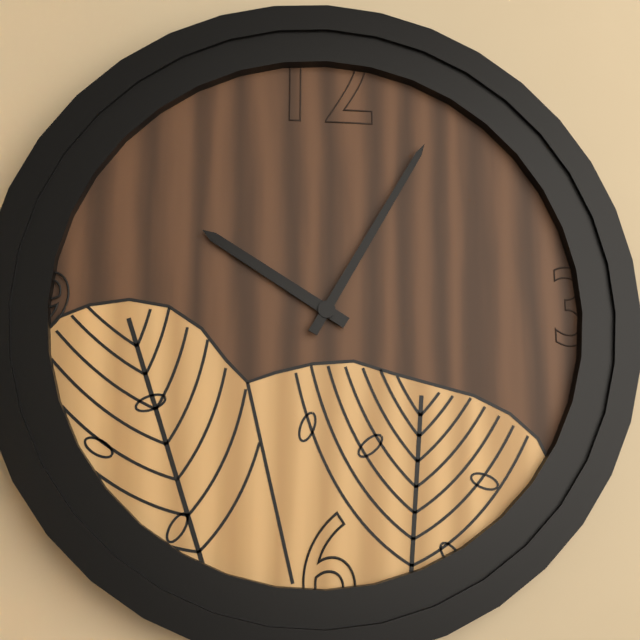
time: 10:05
